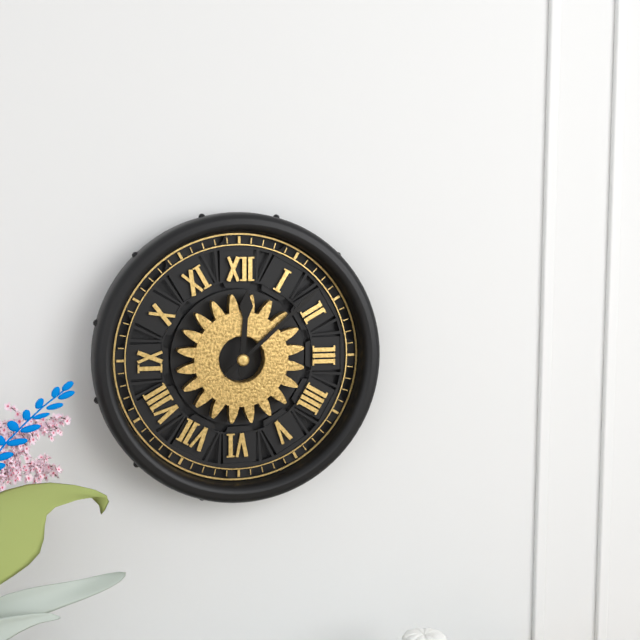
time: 12:08
